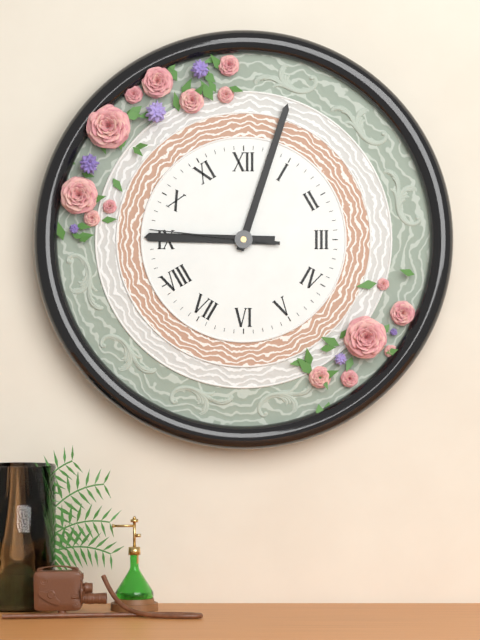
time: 9:03:46
